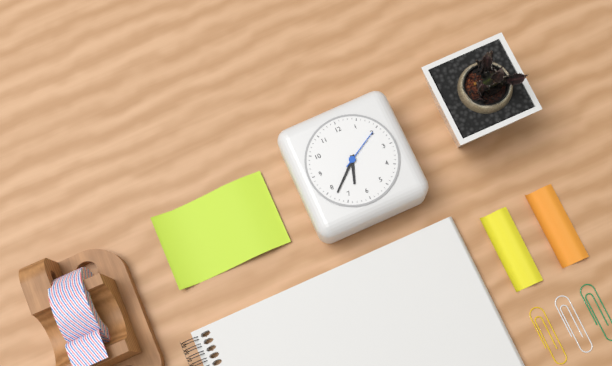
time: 6:38
